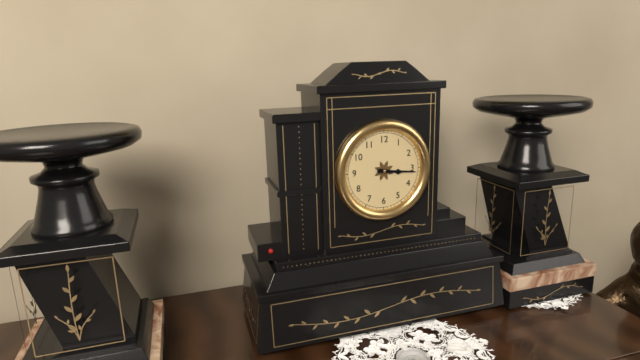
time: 3:16
